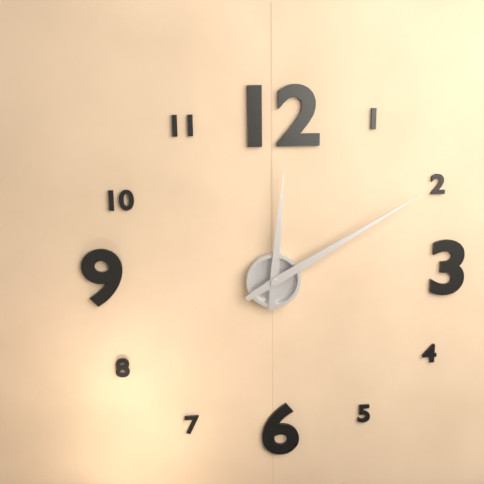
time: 12:10
